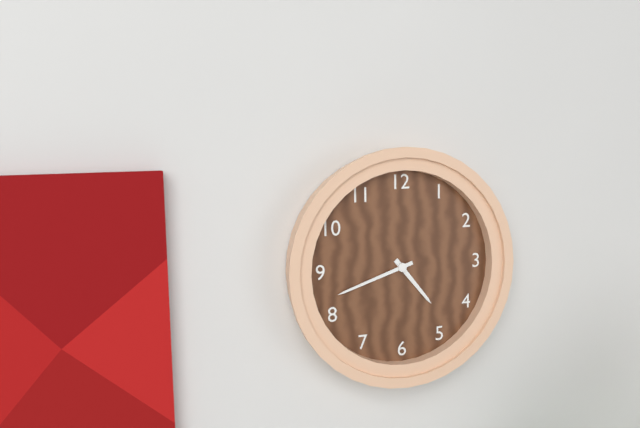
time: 4:42
